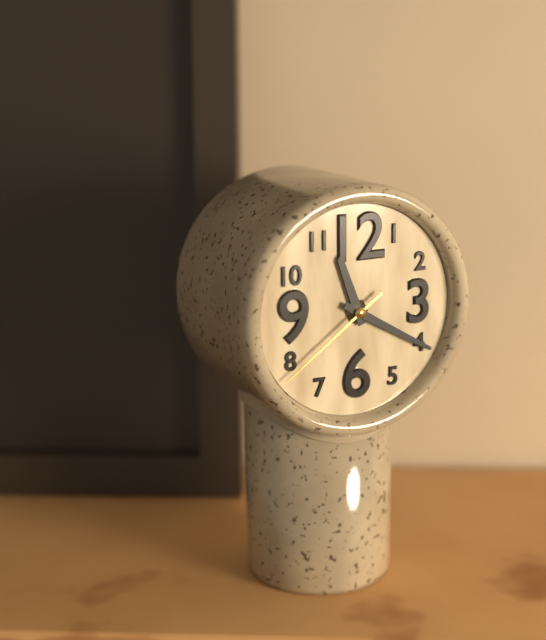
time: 11:20:39
